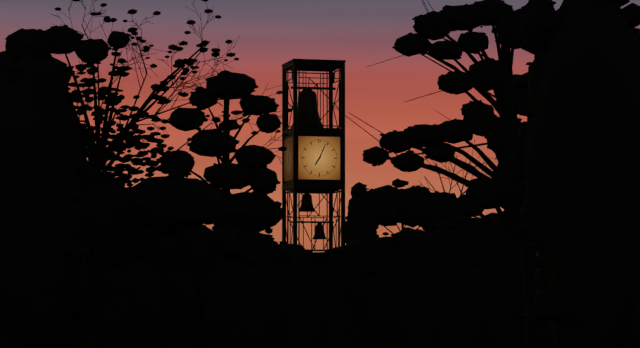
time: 7:04
